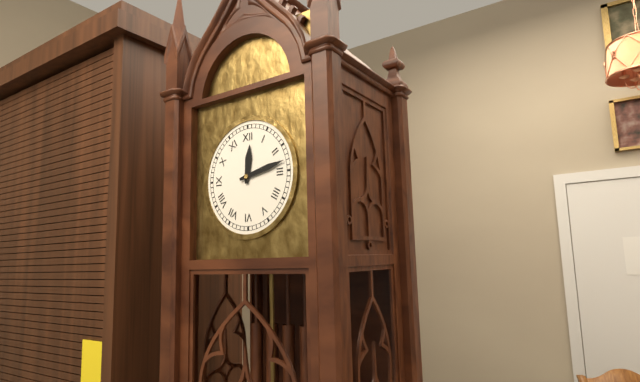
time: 12:13
